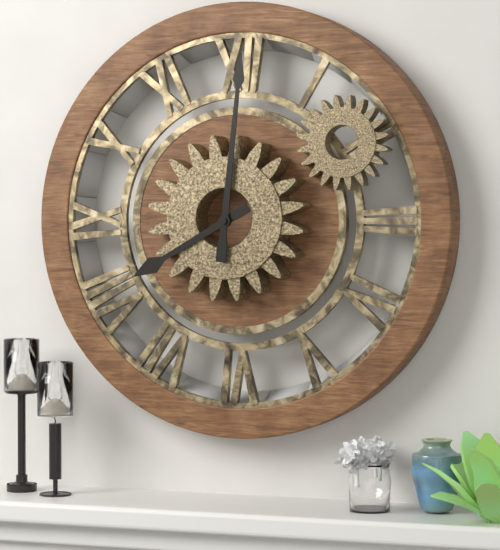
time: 8:01
